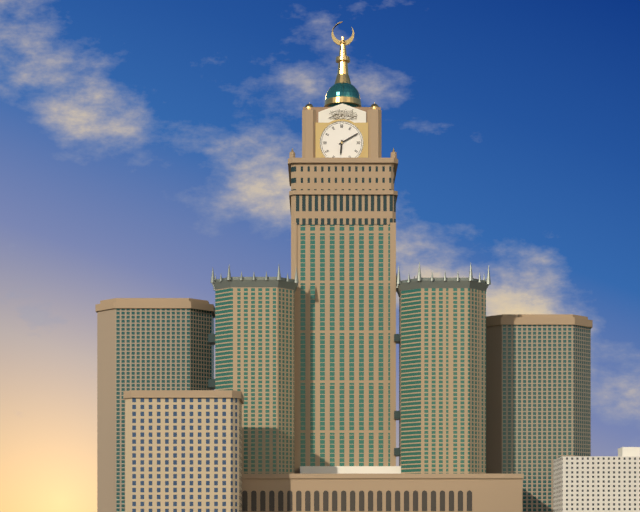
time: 6:10
